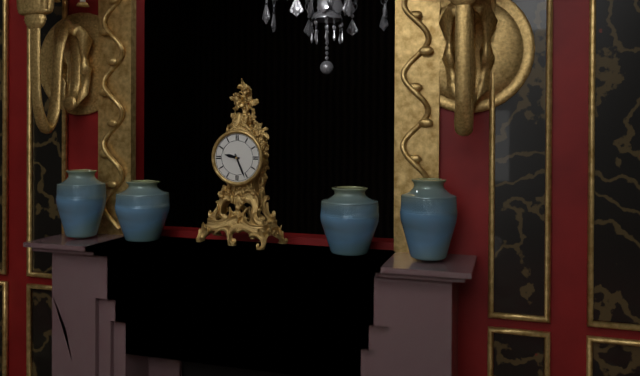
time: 9:26
